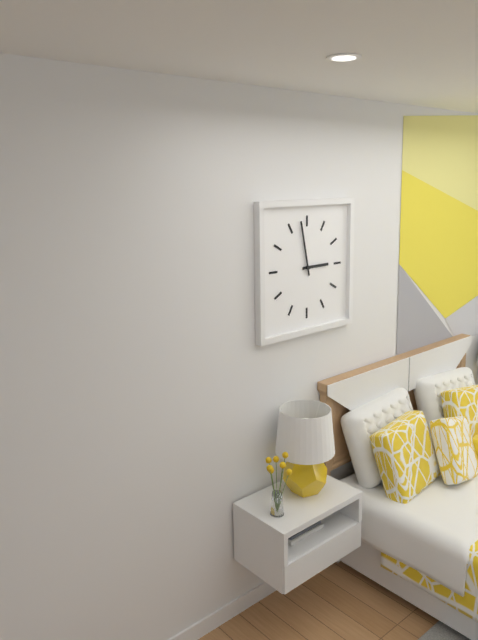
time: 2:58
